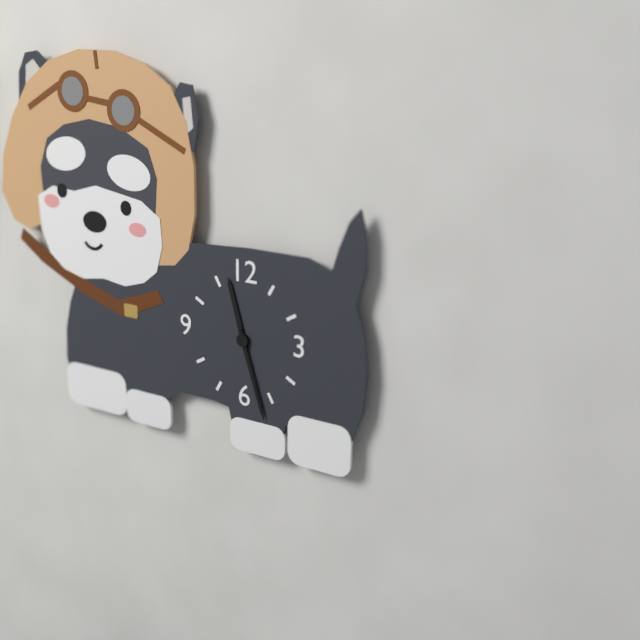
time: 11:27
